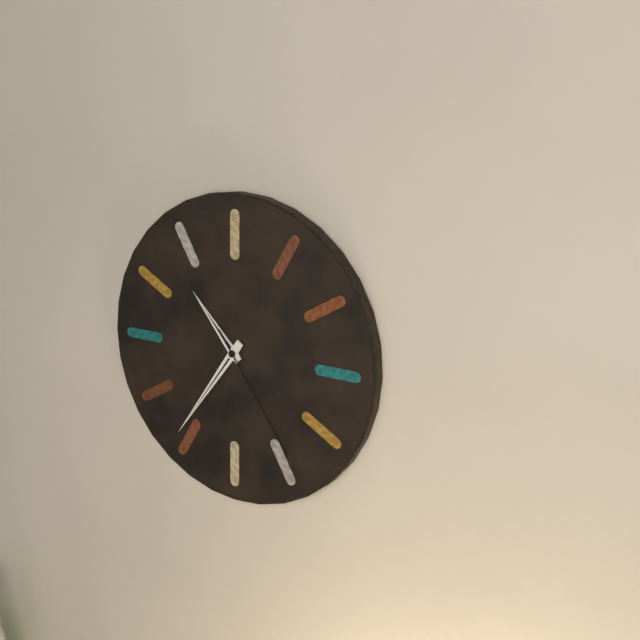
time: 10:36:24
